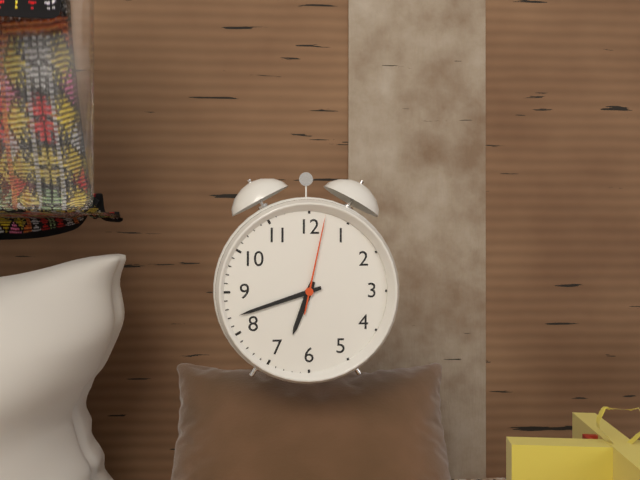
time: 6:42:02
